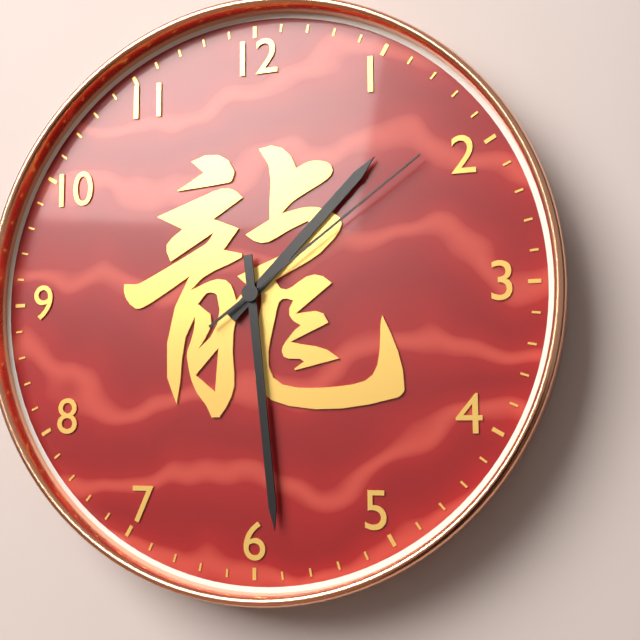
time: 1:29:09
